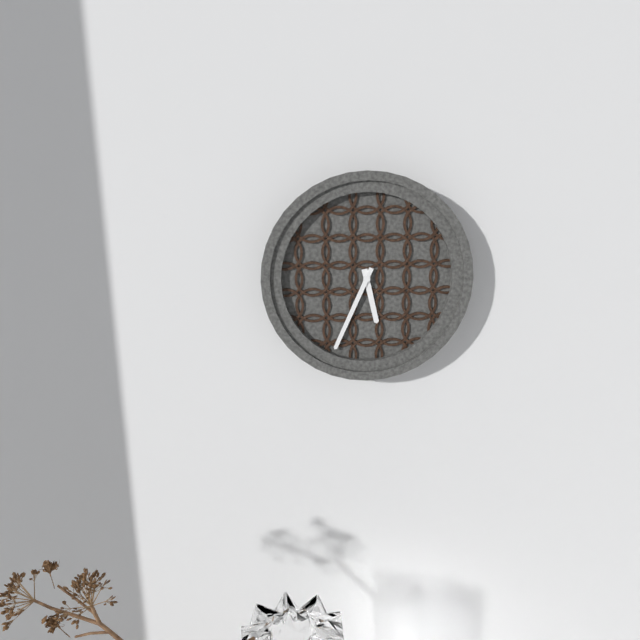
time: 5:34
